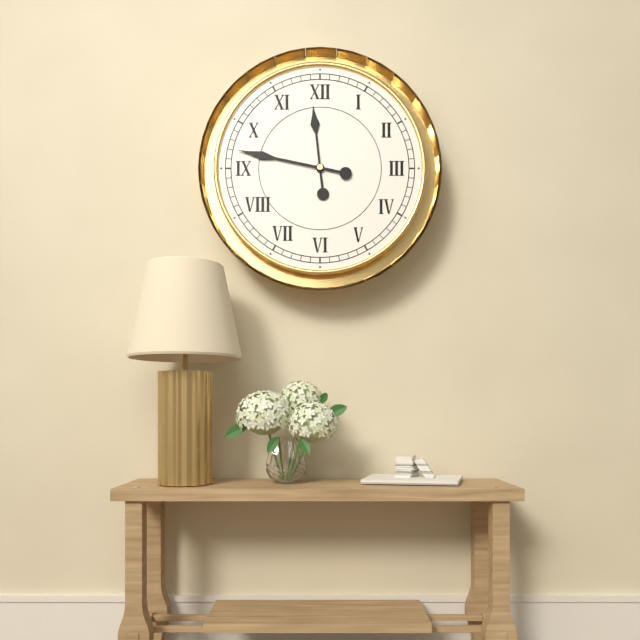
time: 11:47
